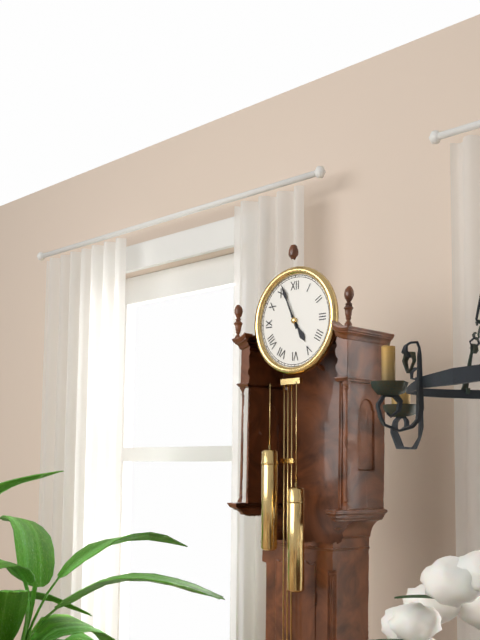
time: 4:56
